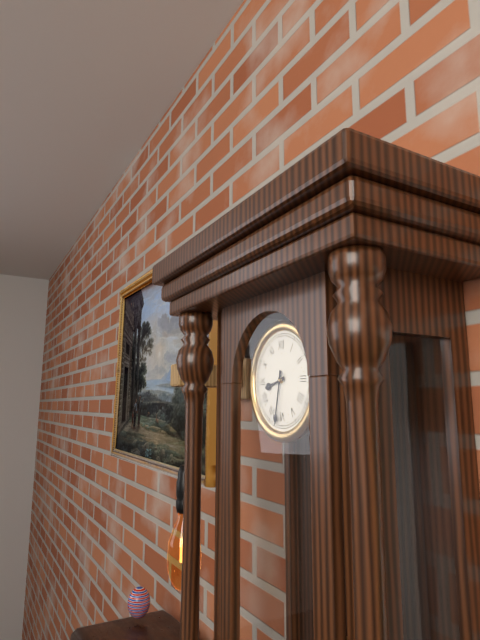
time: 8:32
